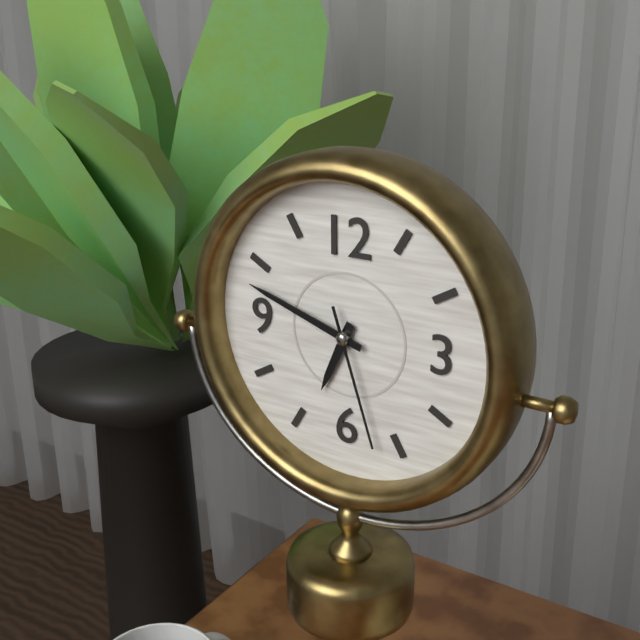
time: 6:48:27
